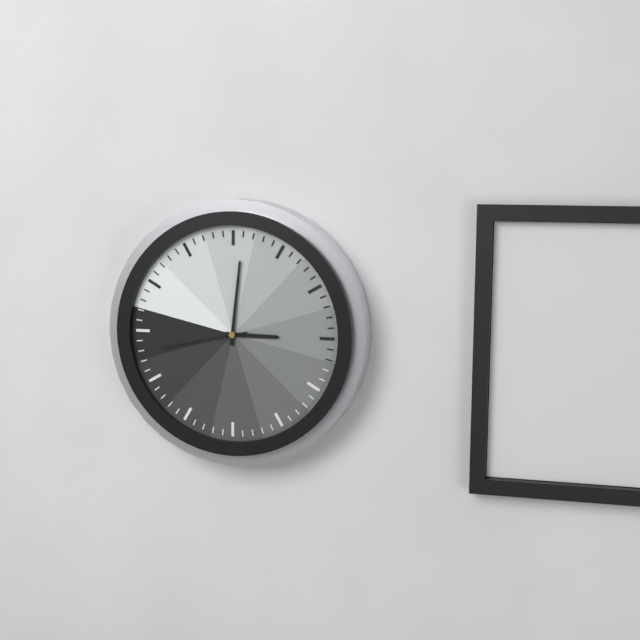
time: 3:01:43
